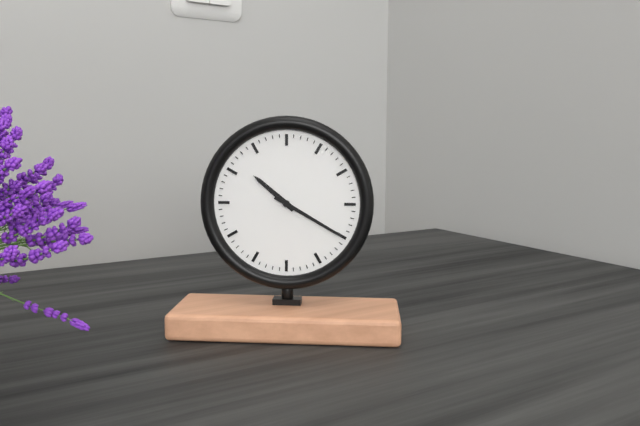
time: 10:20
